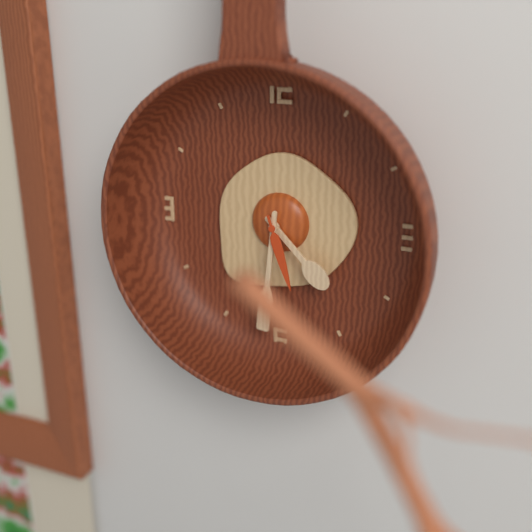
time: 4:31:27
